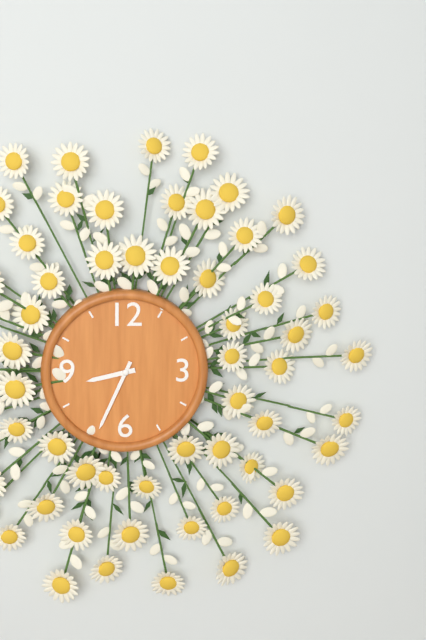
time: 8:34
